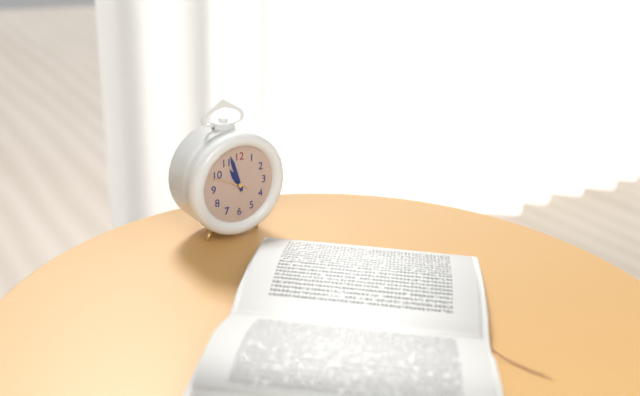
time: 10:57
